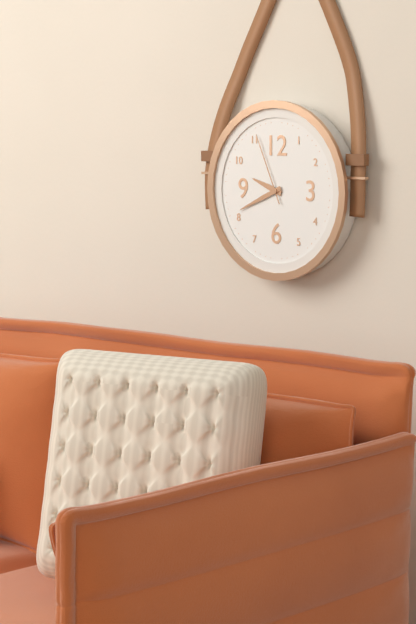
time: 9:41:56
